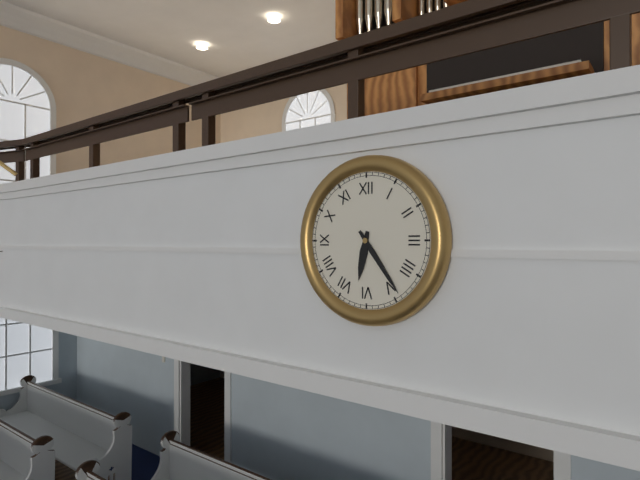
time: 6:24
